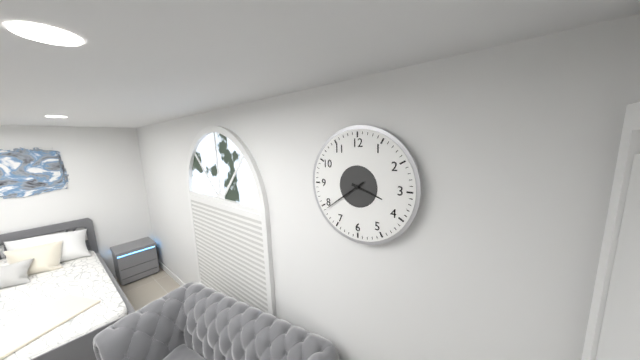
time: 3:39
